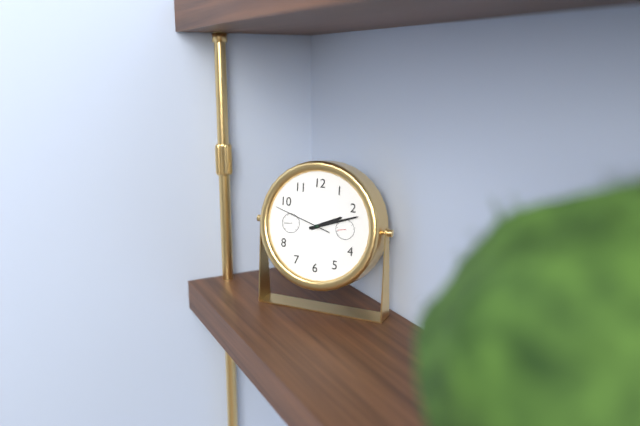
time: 2:12:48
